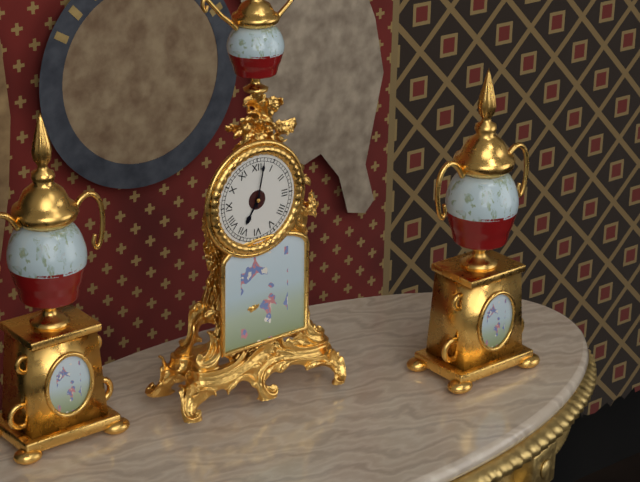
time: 7:02
